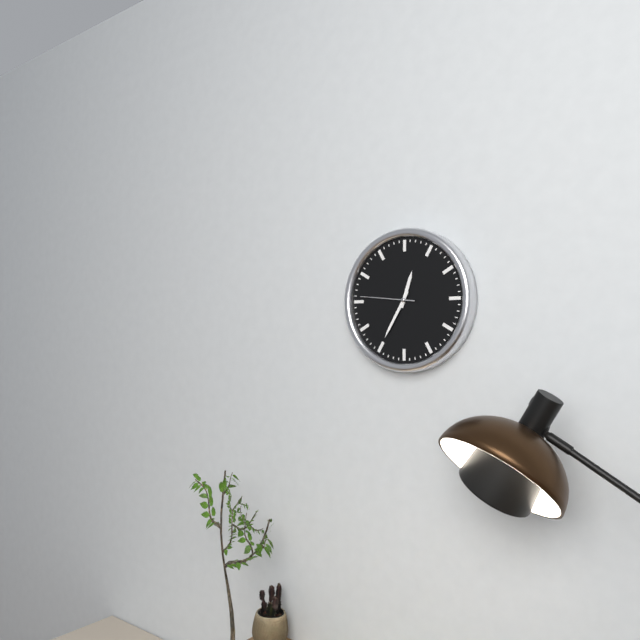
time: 12:35:46
